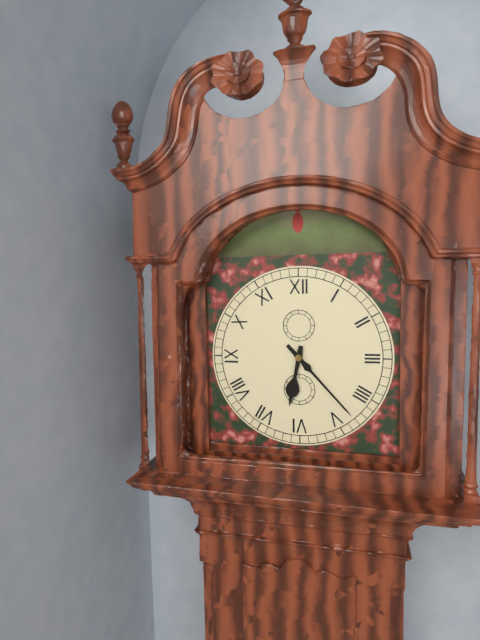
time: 6:23
